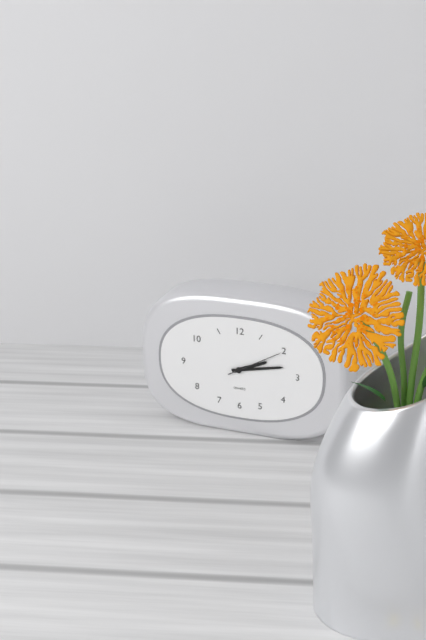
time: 2:13:10
